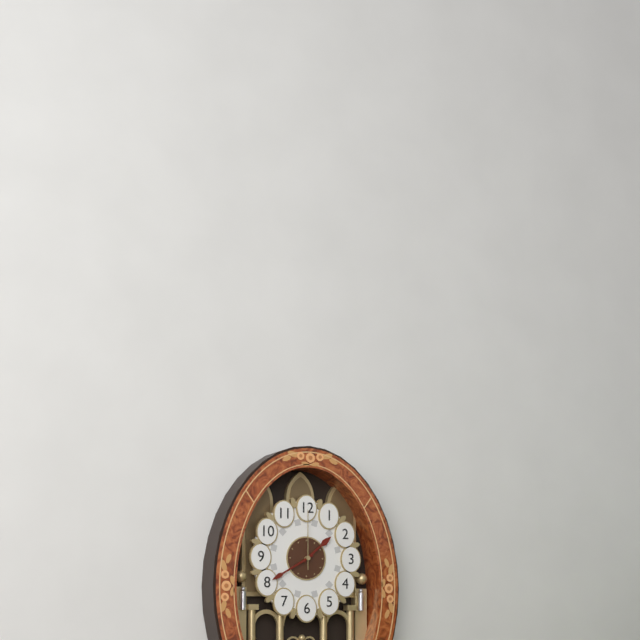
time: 1:40:00
